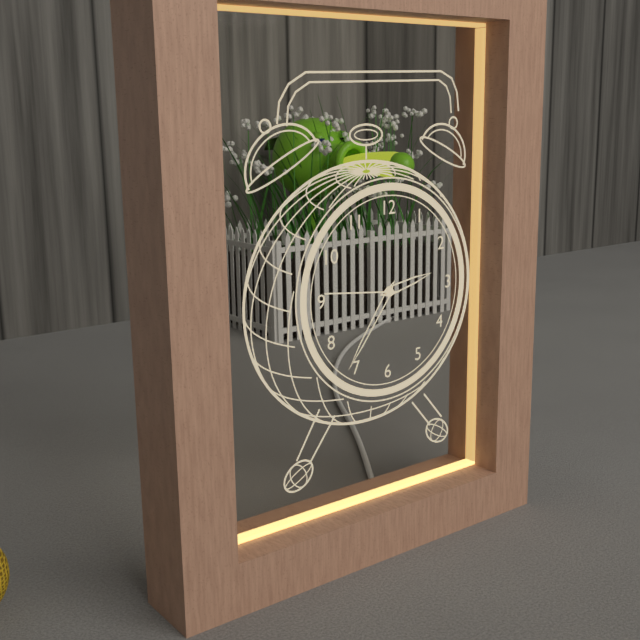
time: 2:36:46
